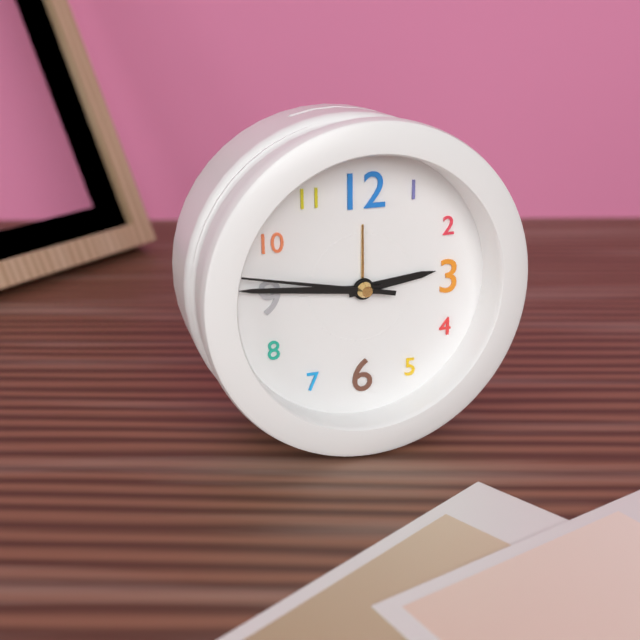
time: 2:46:47
